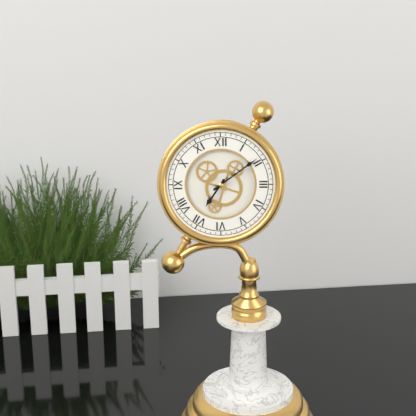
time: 7:09
